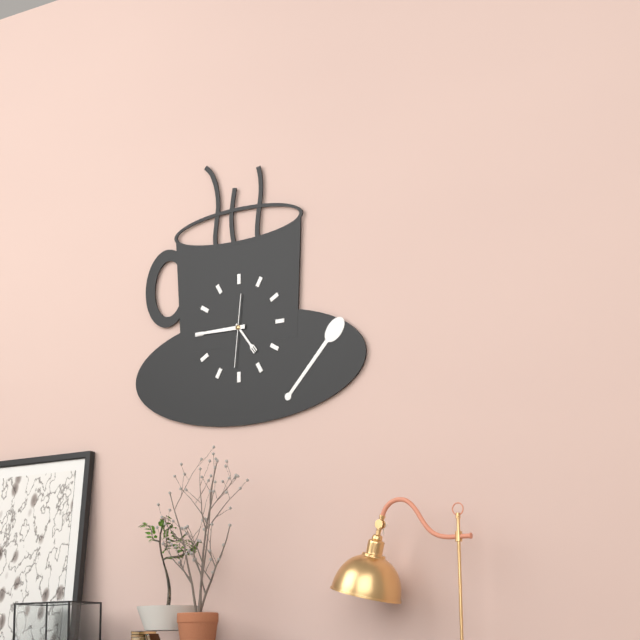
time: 4:45
